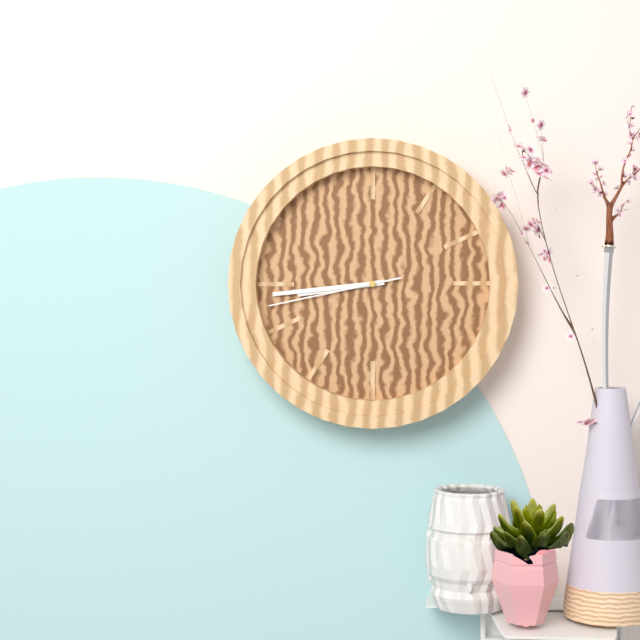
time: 8:44:43
